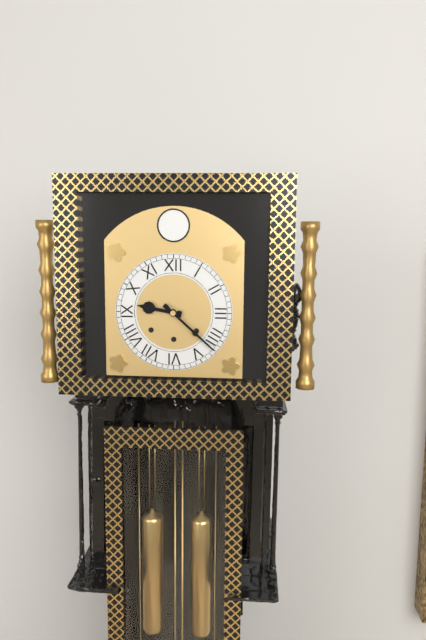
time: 9:22
